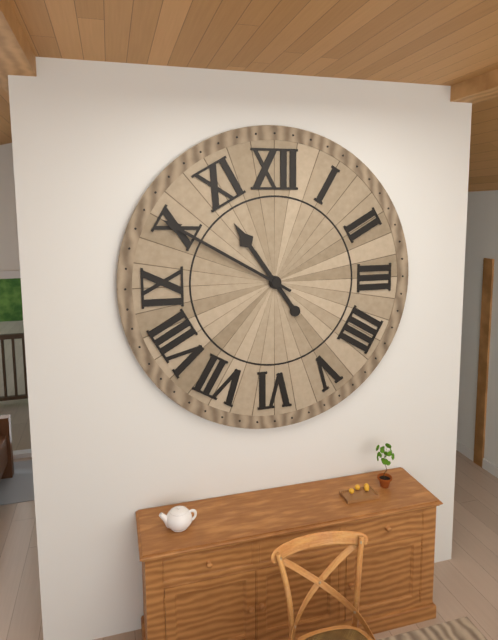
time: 10:50
